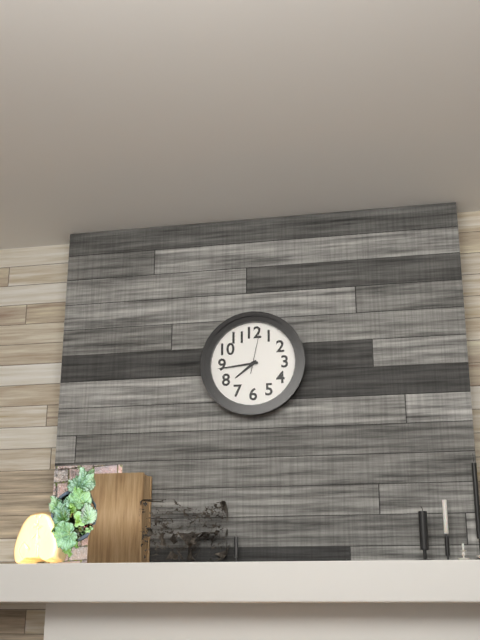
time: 7:44
